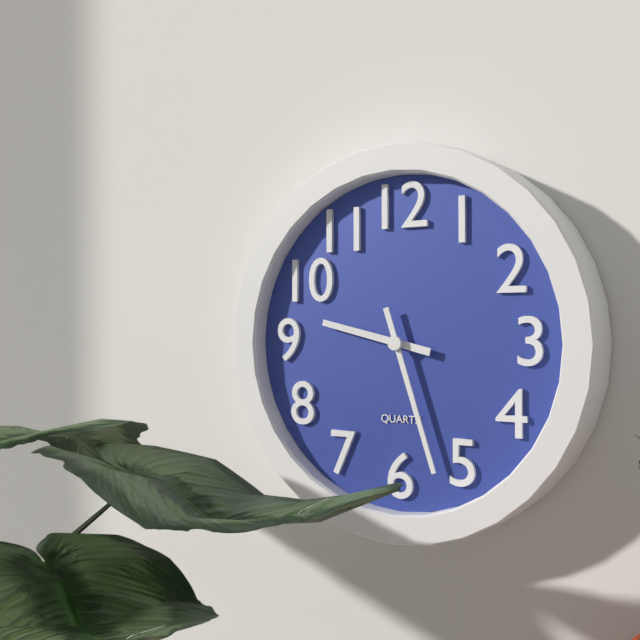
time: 9:27
